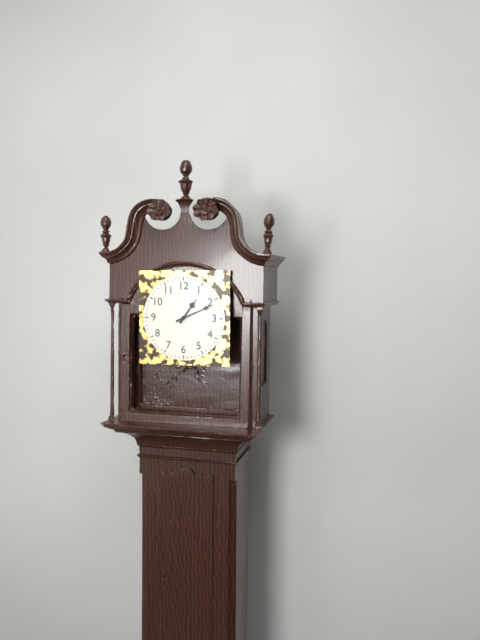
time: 1:11
